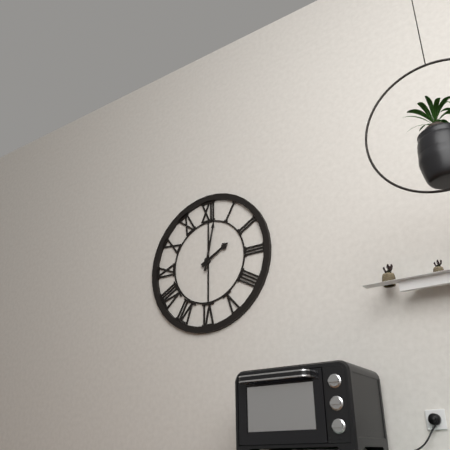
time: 2:02
